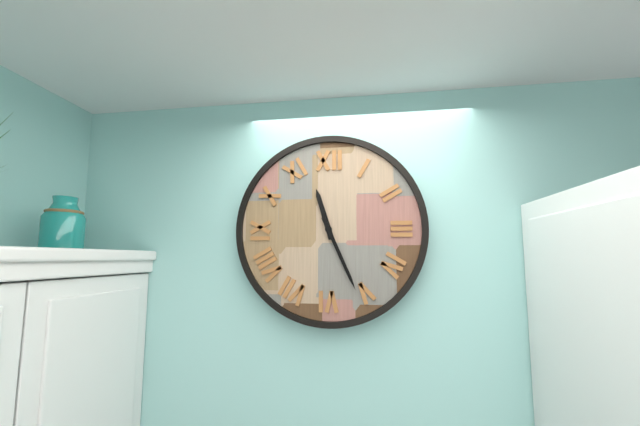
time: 11:26
